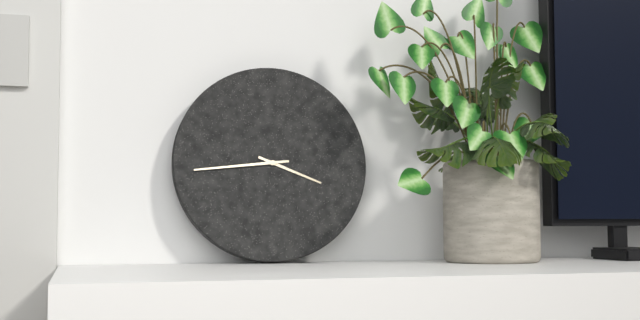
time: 3:44
